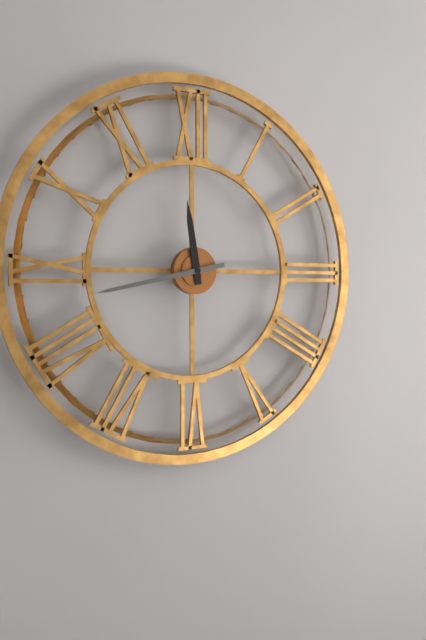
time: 11:43
